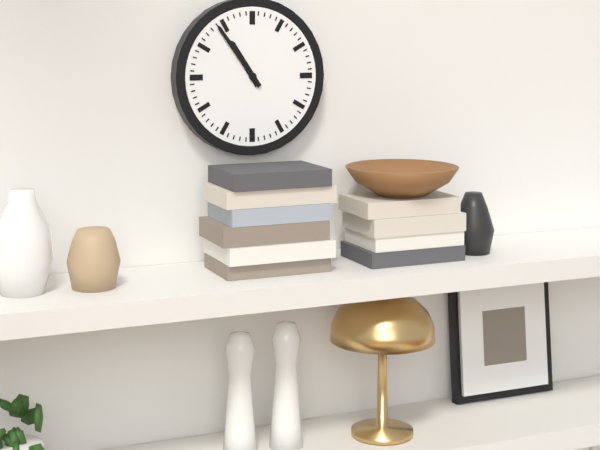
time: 10:54
